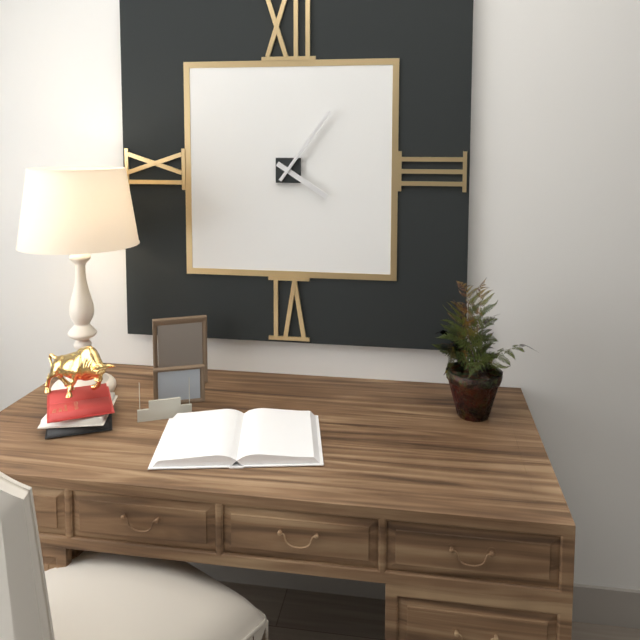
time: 4:06
